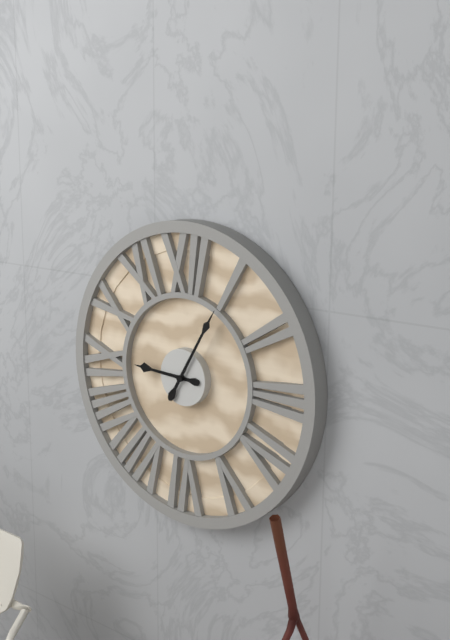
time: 9:05
